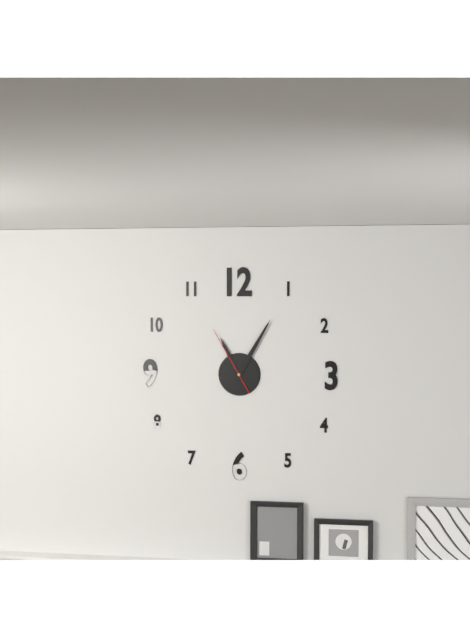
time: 11:05:55
